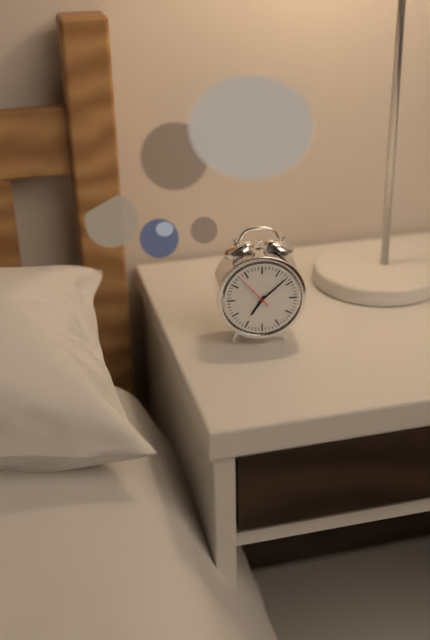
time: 7:08
